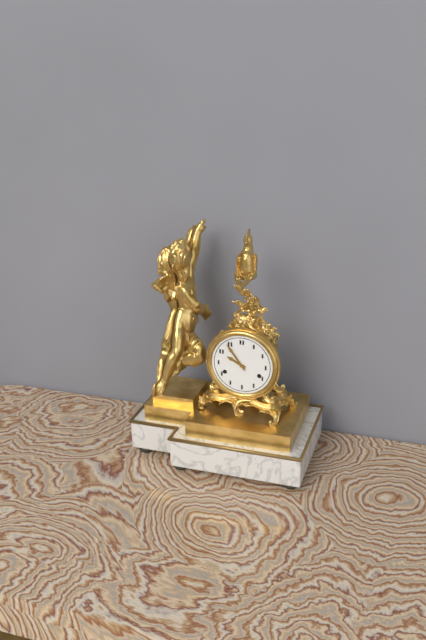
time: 9:54
